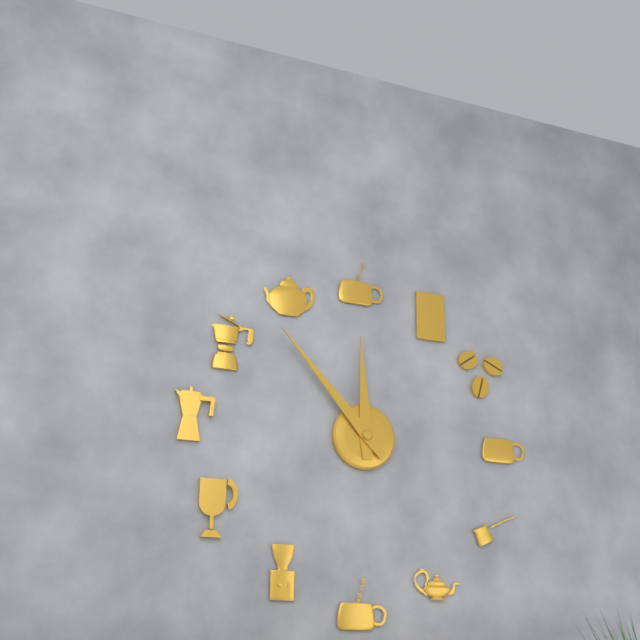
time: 11:53
